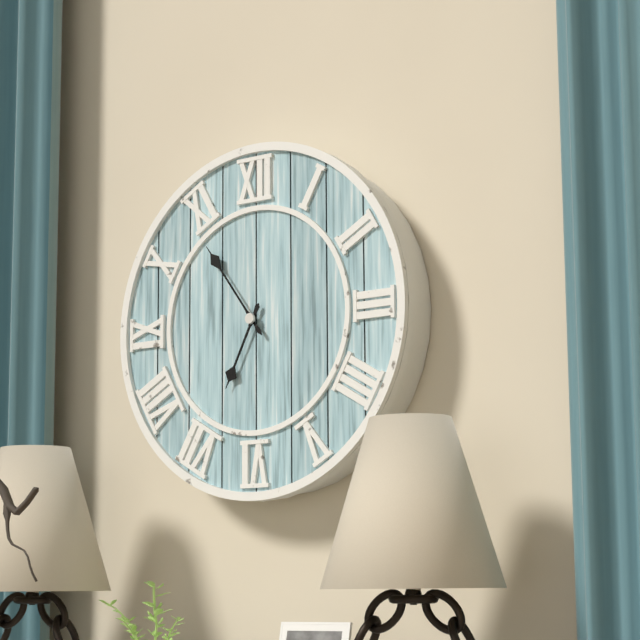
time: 6:54
